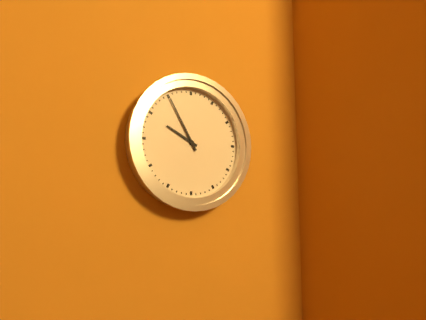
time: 9:55
